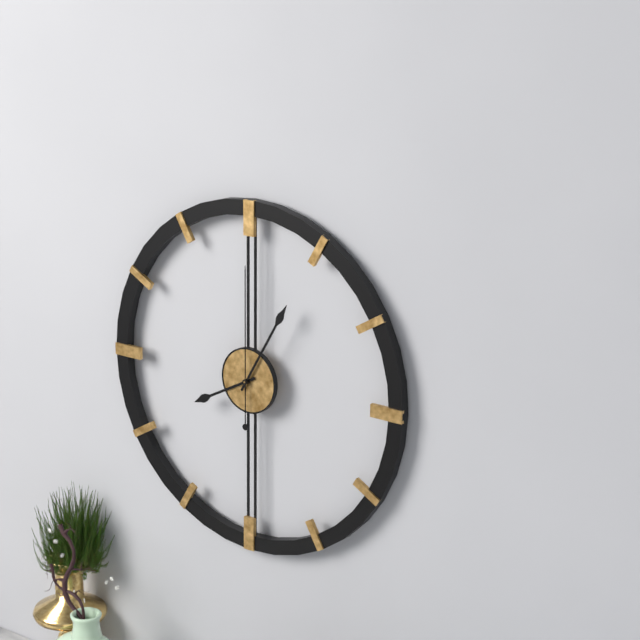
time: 8:05:00
